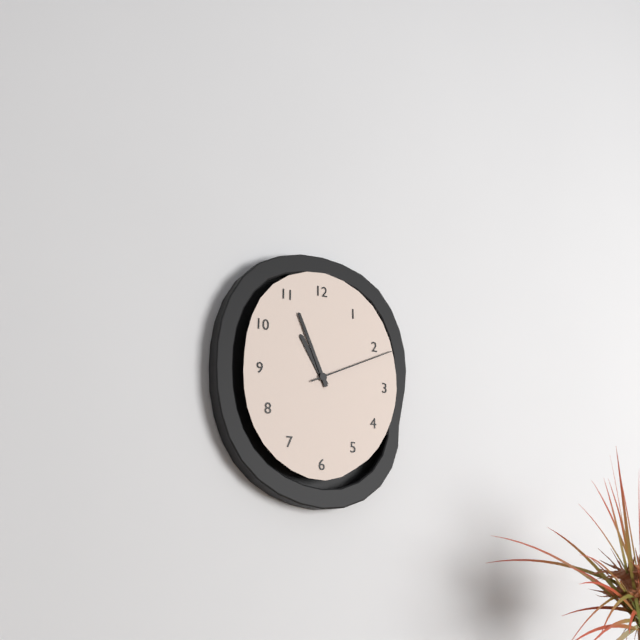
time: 10:56:11
